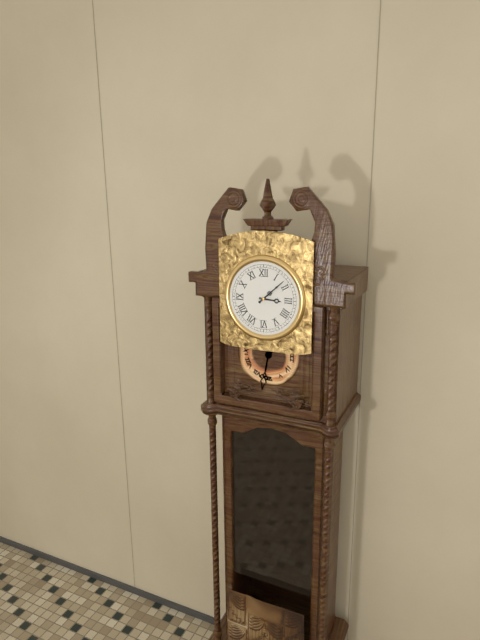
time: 3:08
